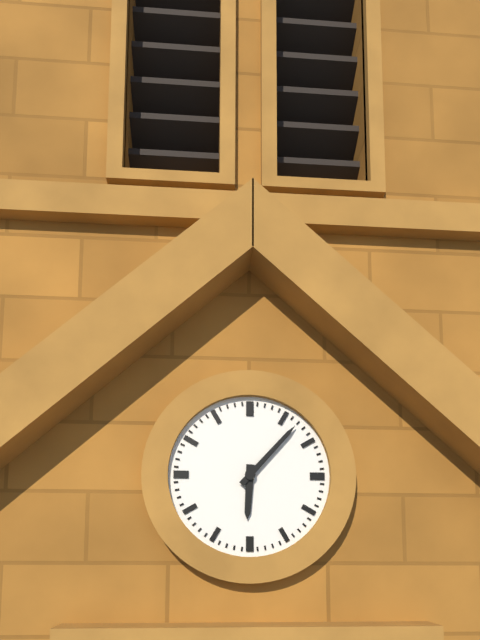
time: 6:07
